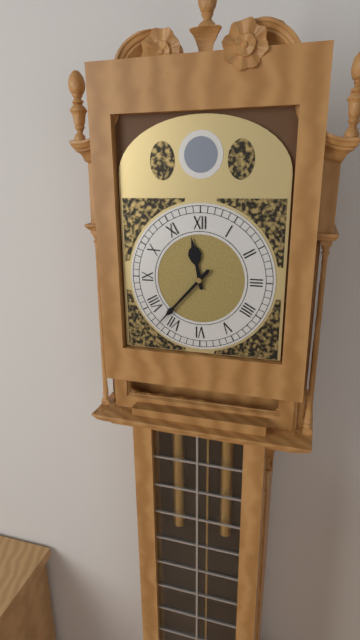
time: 11:37
